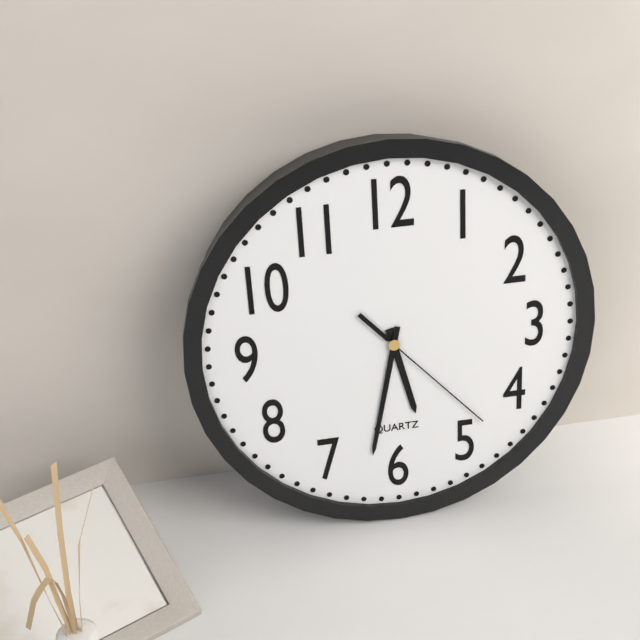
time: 5:32:23
